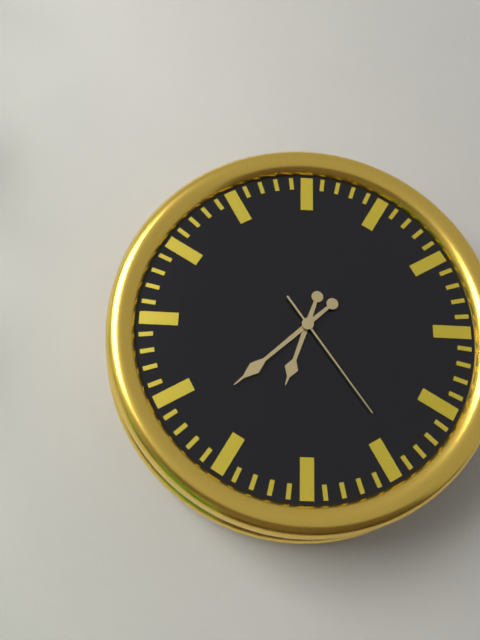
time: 6:38:24
